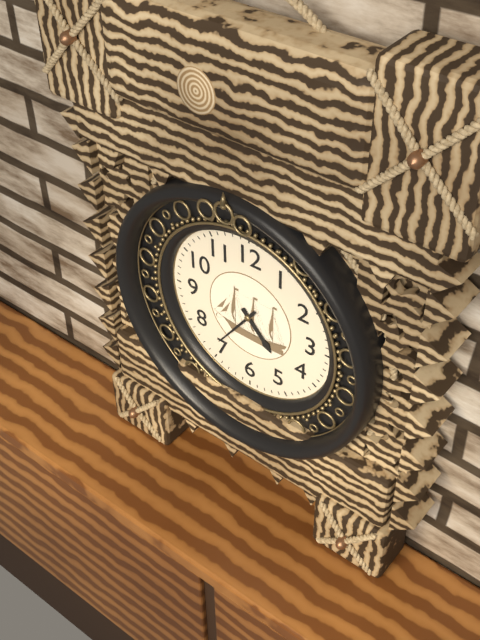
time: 4:36
